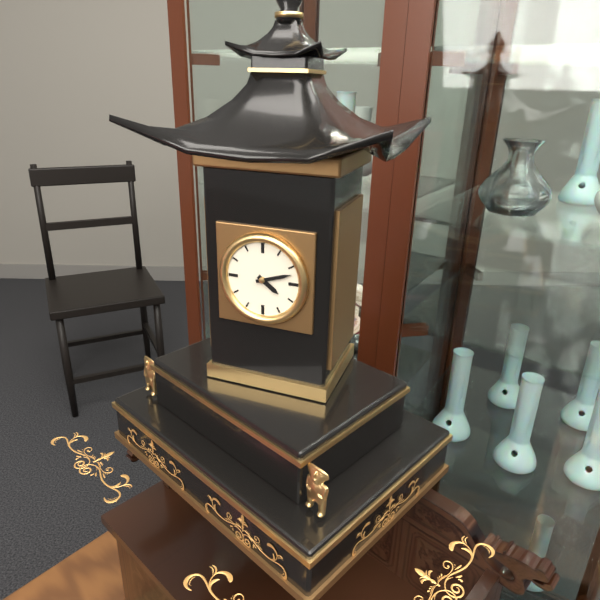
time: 4:12
